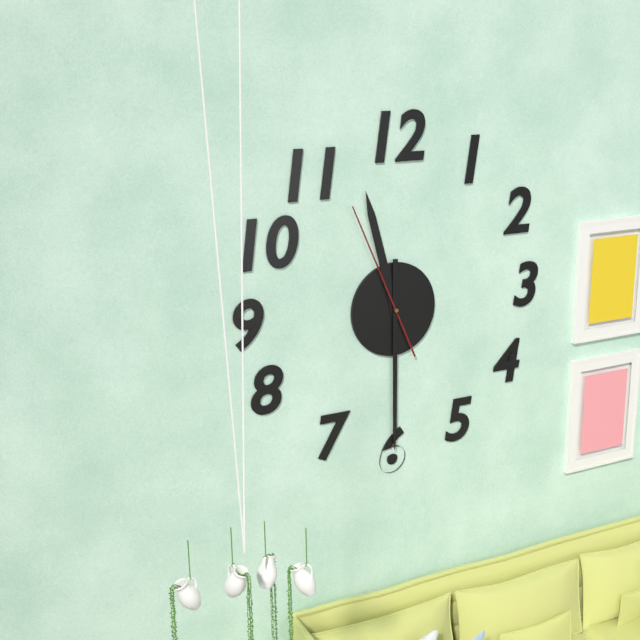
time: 11:30:56
